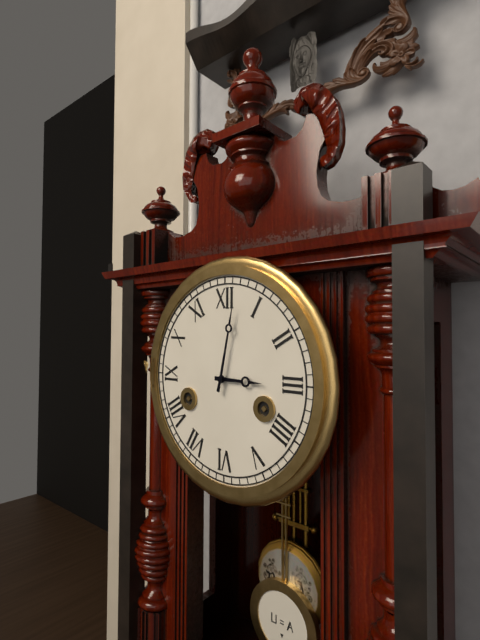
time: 3:02
